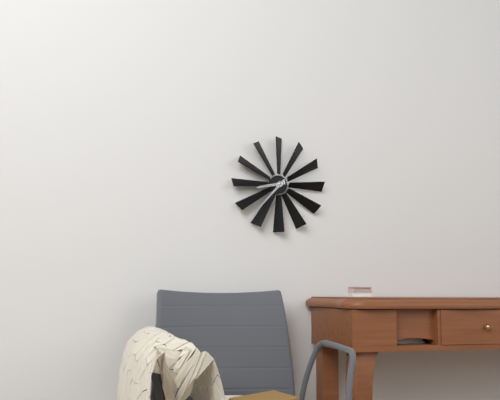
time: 8:37
